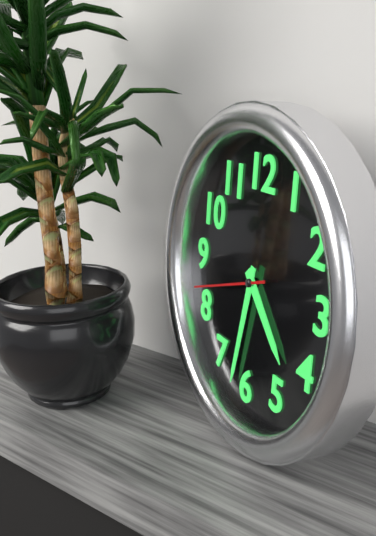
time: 4:32:42
